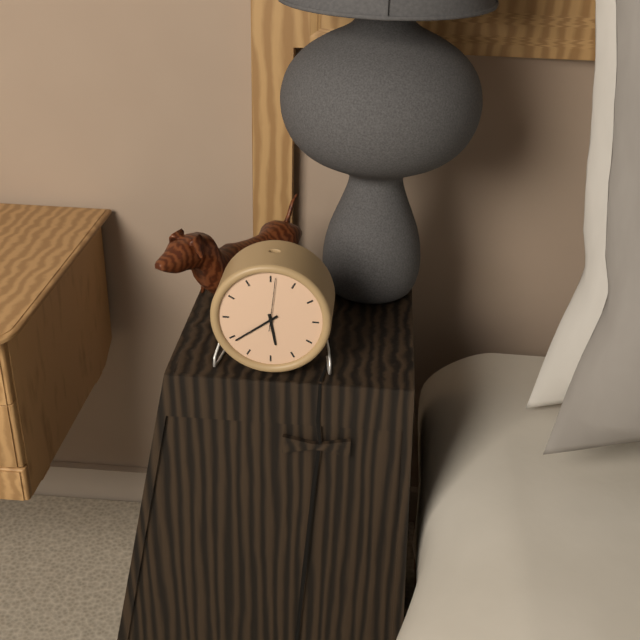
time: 5:39:01
